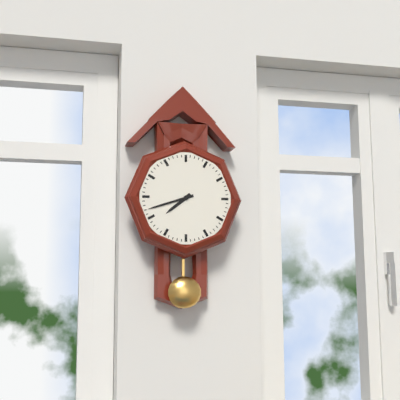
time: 7:42
